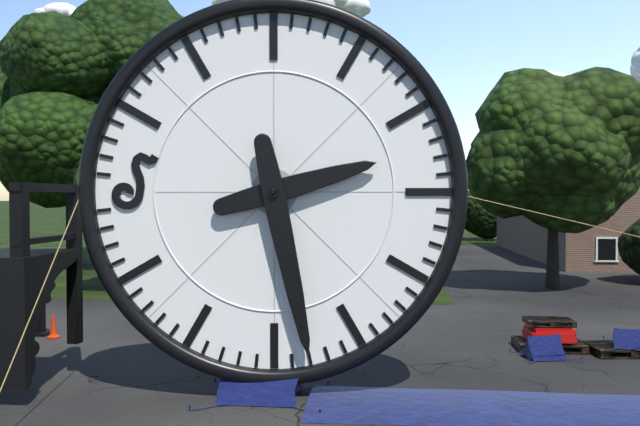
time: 2:28
